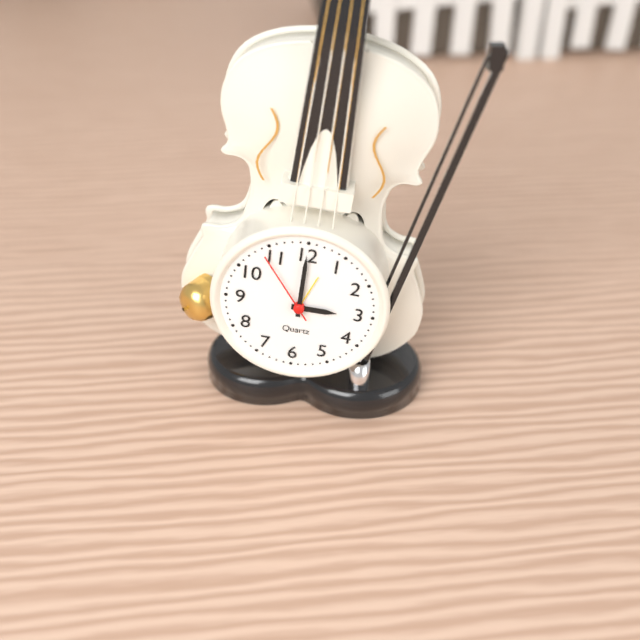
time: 3:00:54
